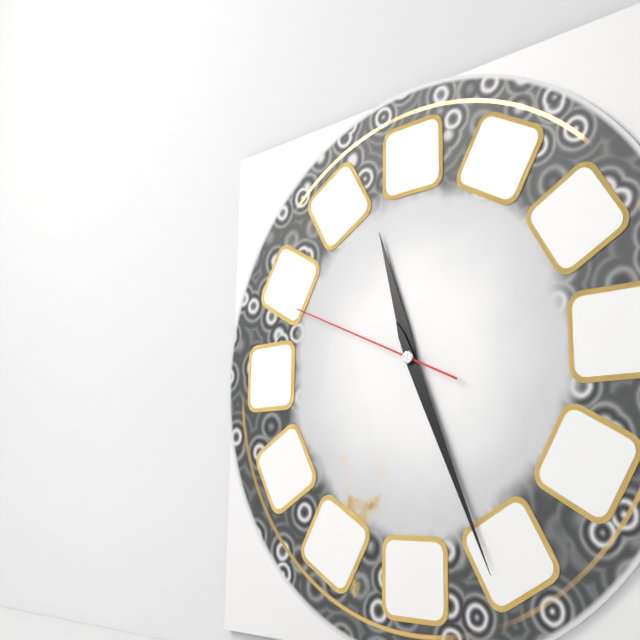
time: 11:26:49
